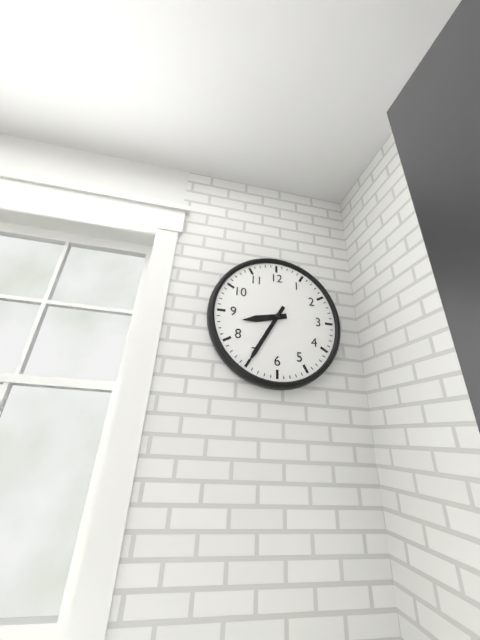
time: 8:35
